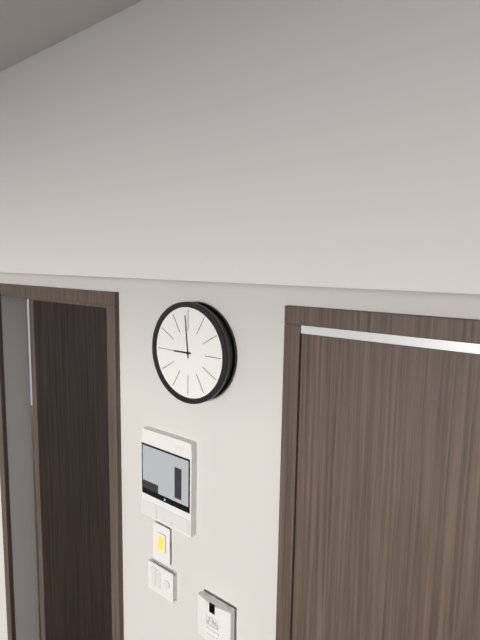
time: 8:59
